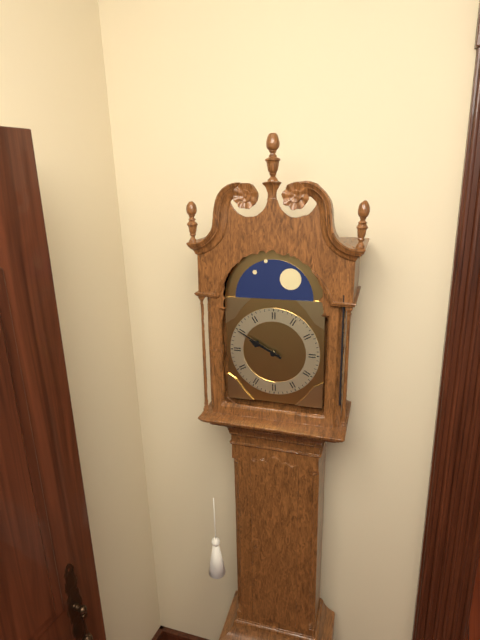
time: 9:50
